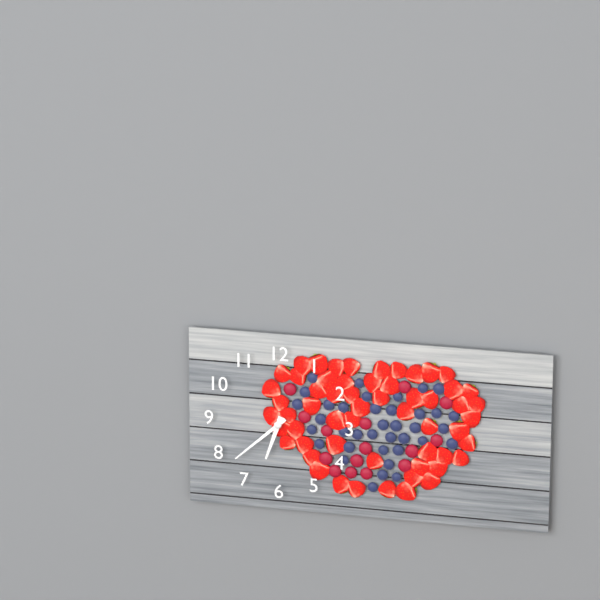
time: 6:38
